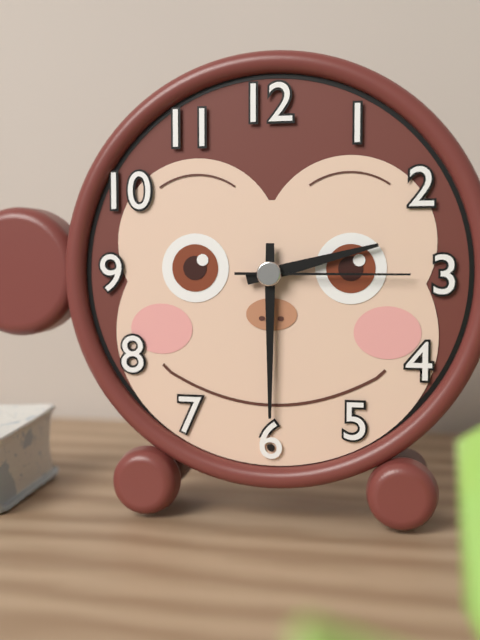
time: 2:30:15
